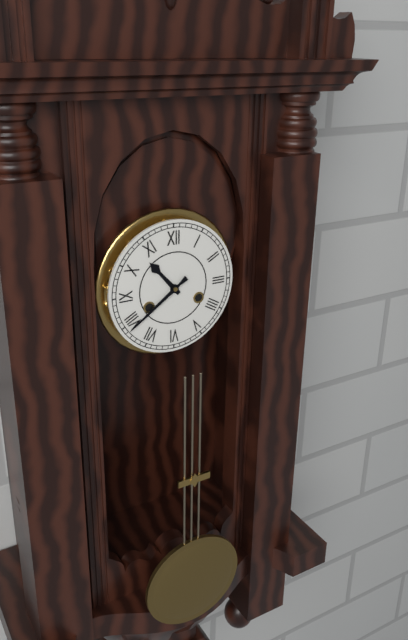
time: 10:39
